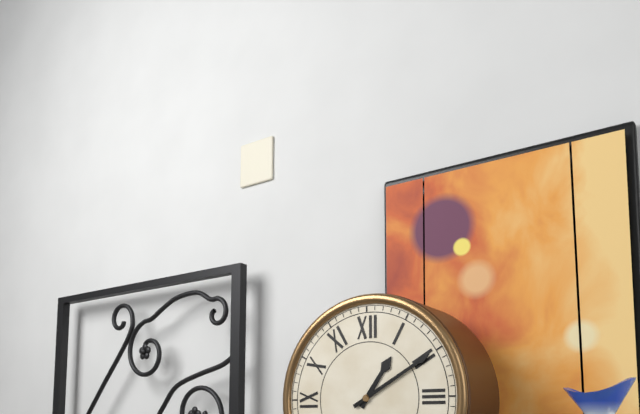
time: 1:10
